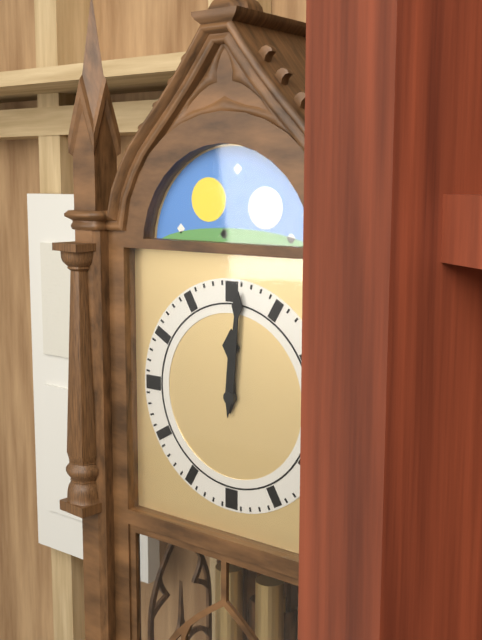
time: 12:01
